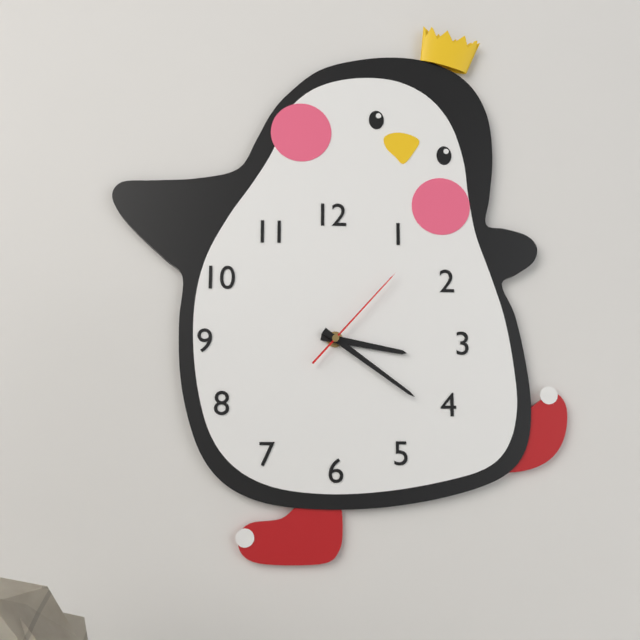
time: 3:21:07
